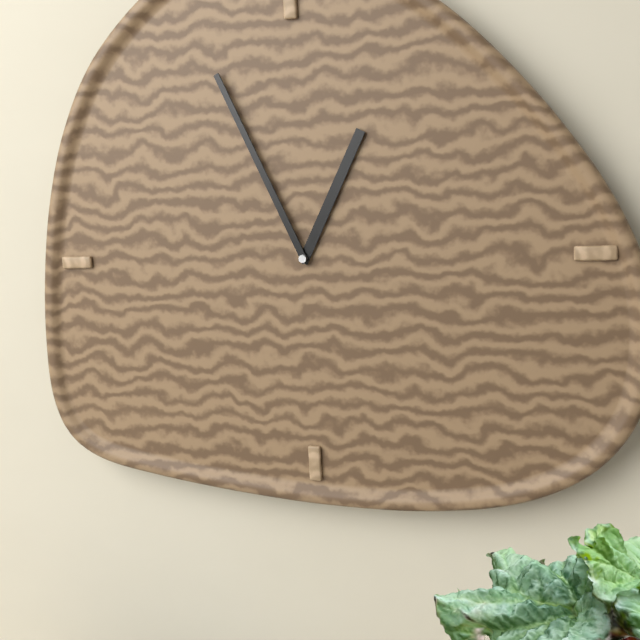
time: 12:56
